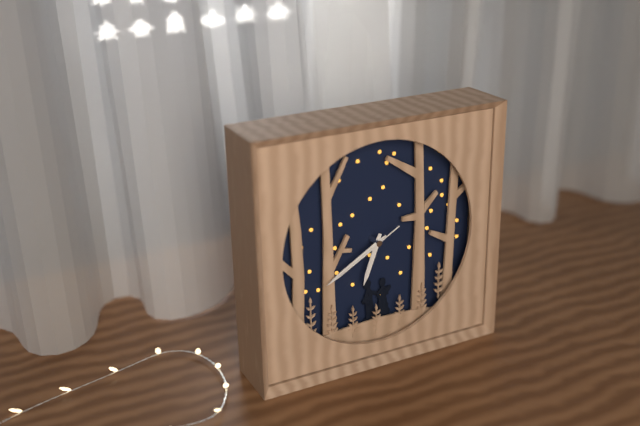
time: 6:40:40
